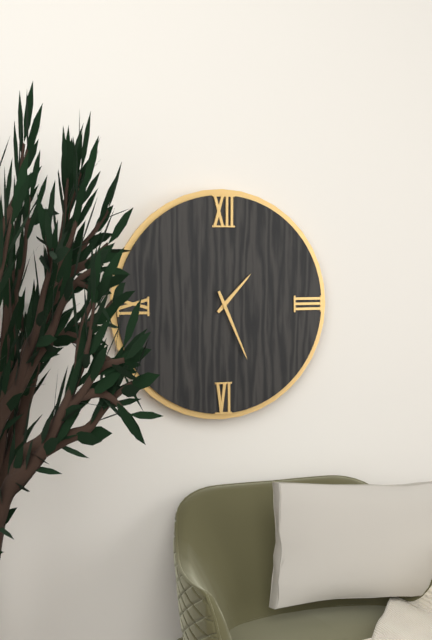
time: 1:26
